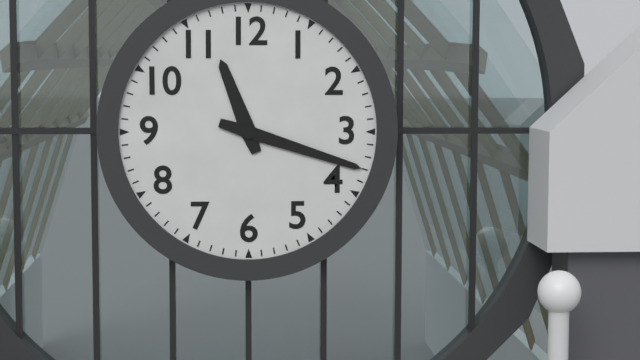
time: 11:18
